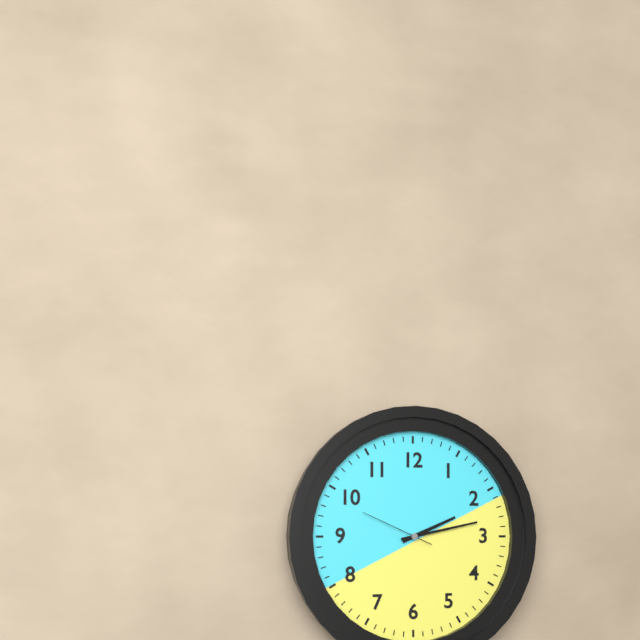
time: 2:13:49
